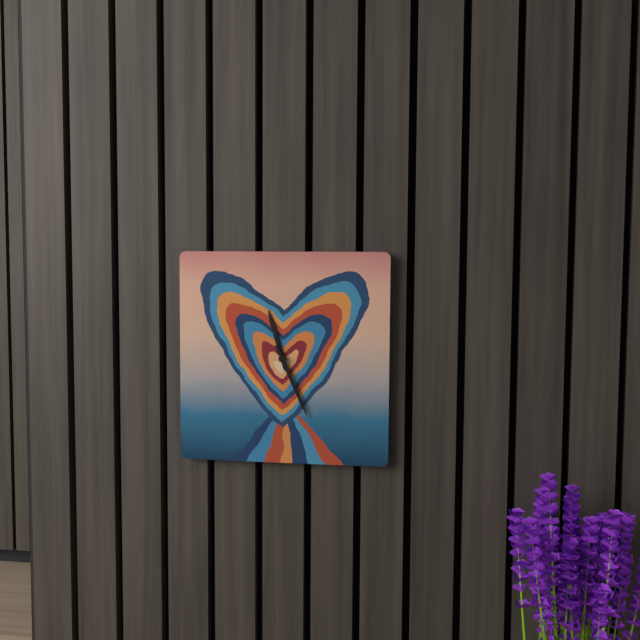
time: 11:26
